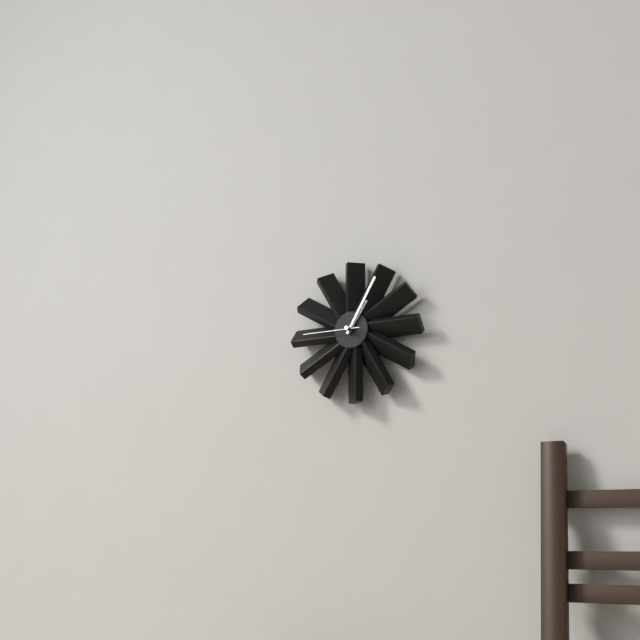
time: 1:05:45
